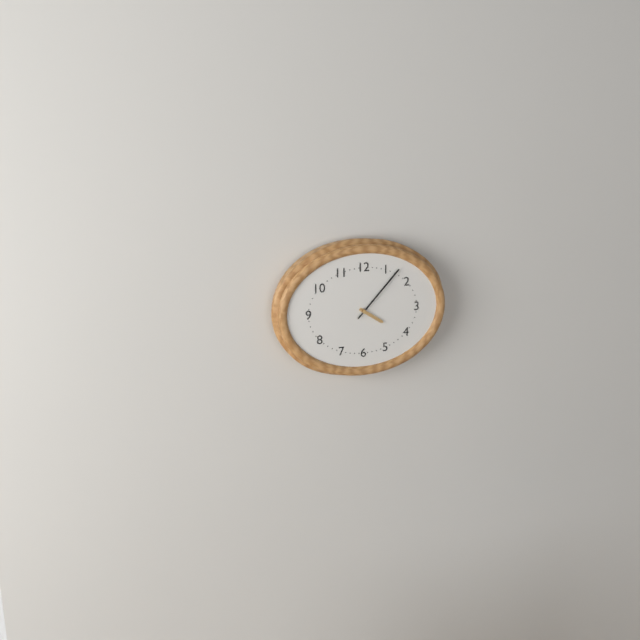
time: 4:07
